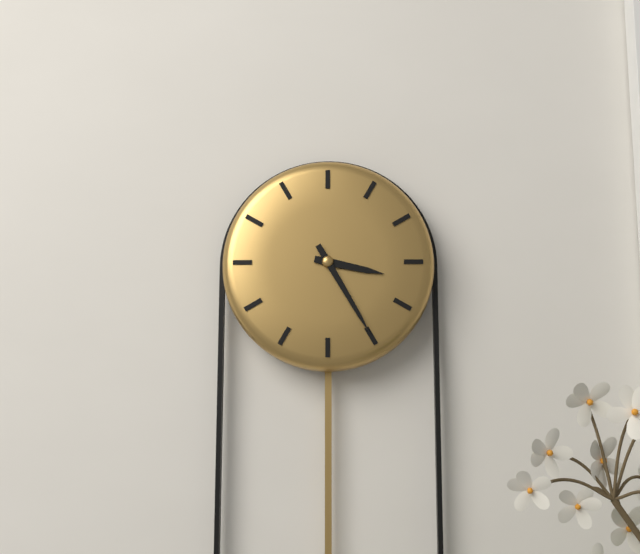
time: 3:25
